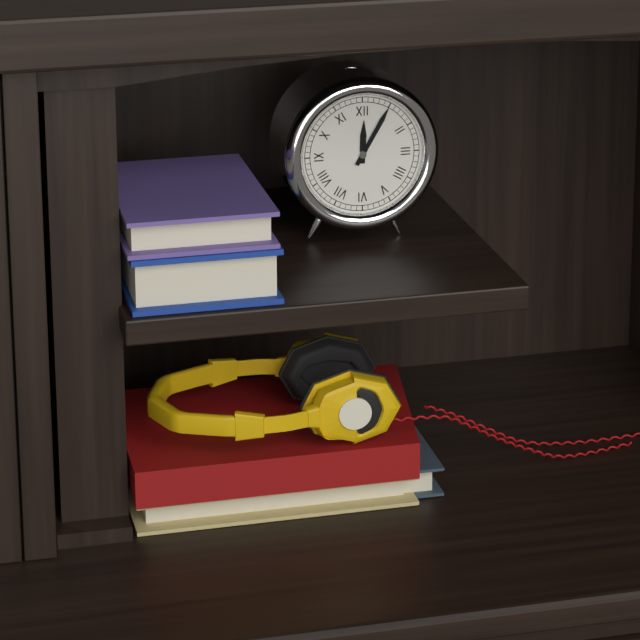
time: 12:05
